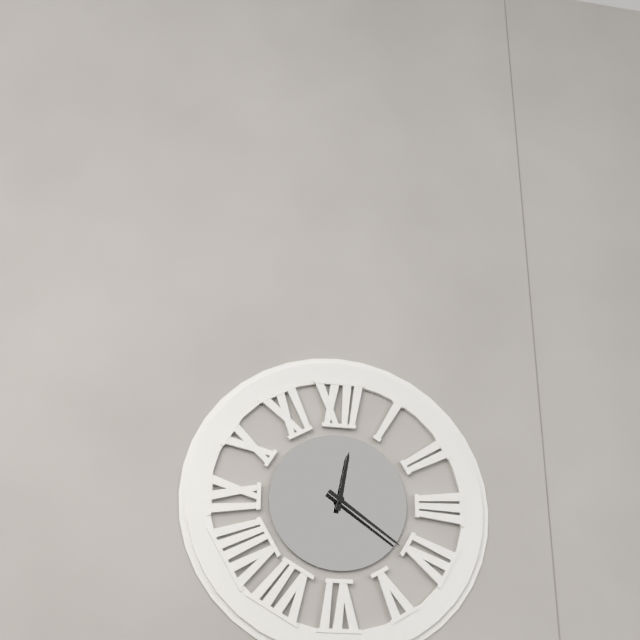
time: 12:21
